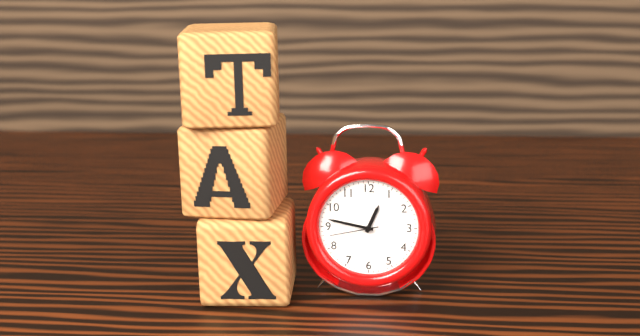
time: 12:47
